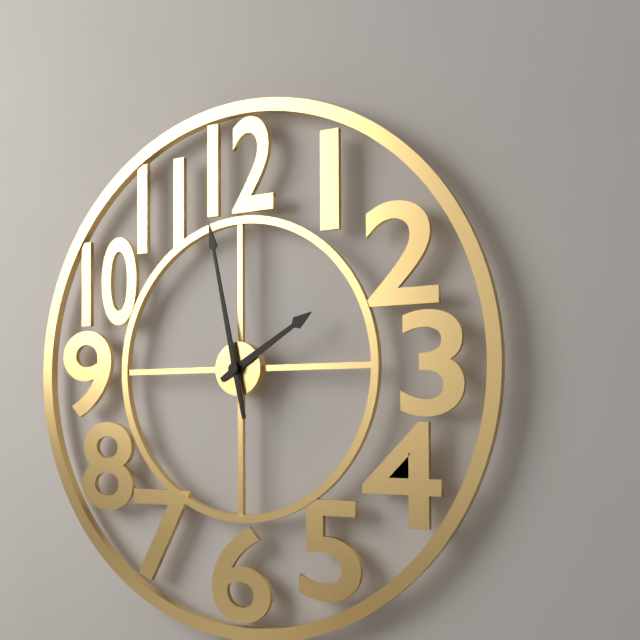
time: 1:58
